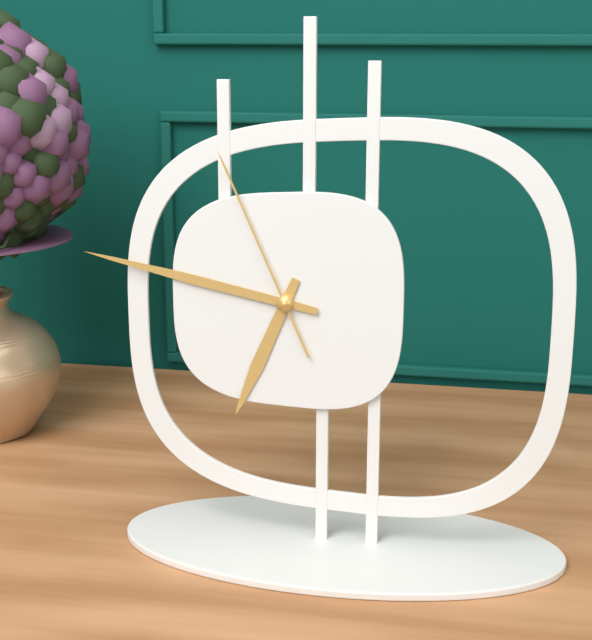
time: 6:47:56
